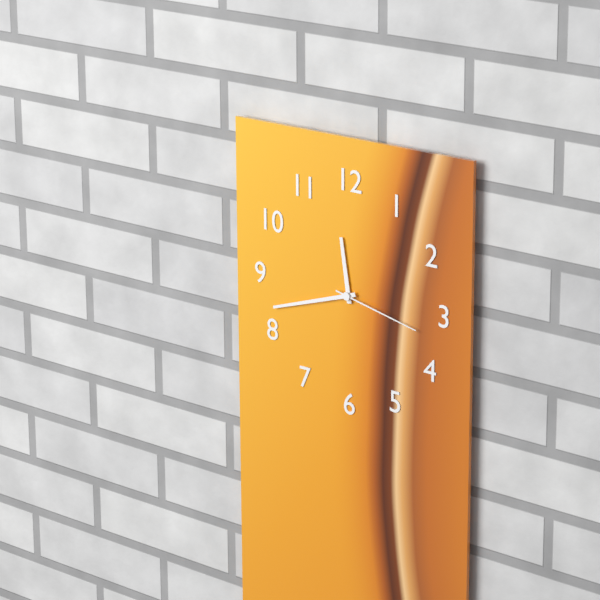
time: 11:42:17
